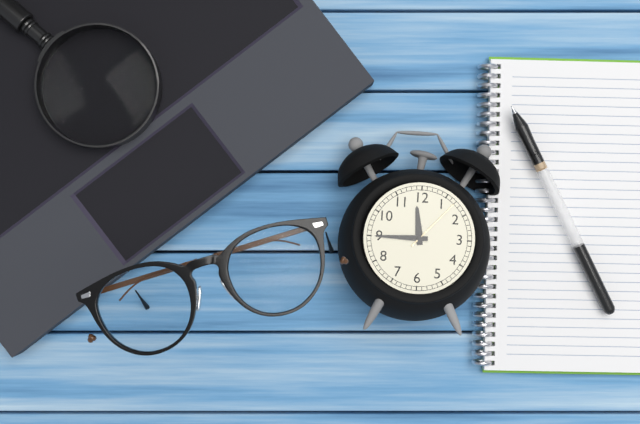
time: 11:45:07
